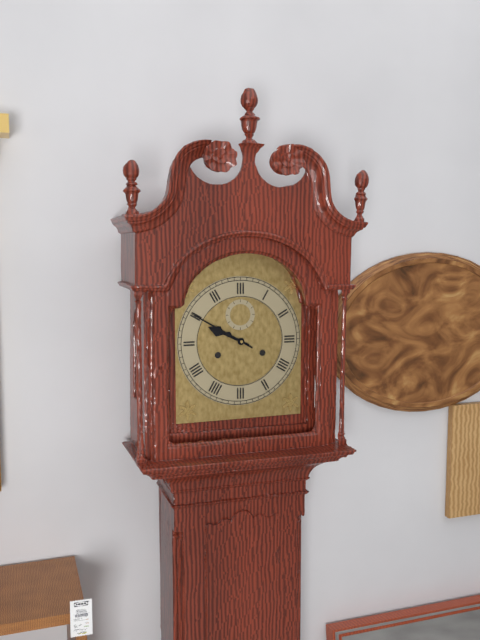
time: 9:50
